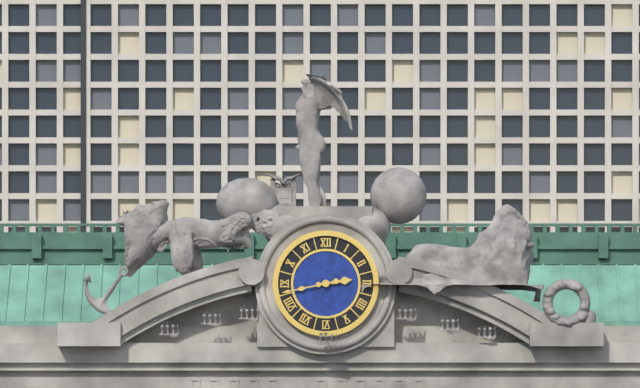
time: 2:43
